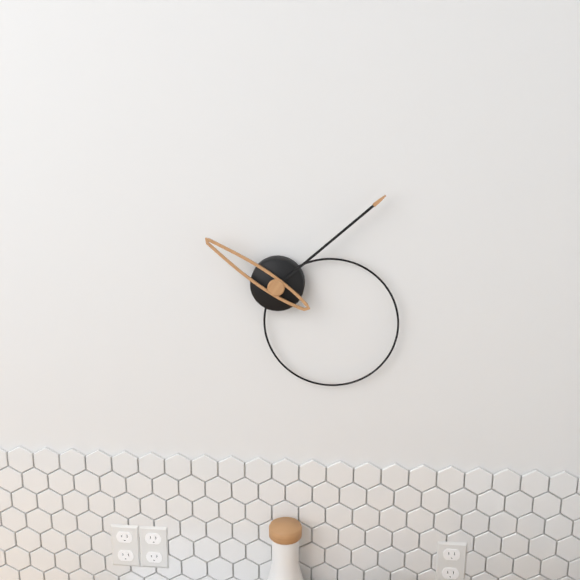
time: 10:08
